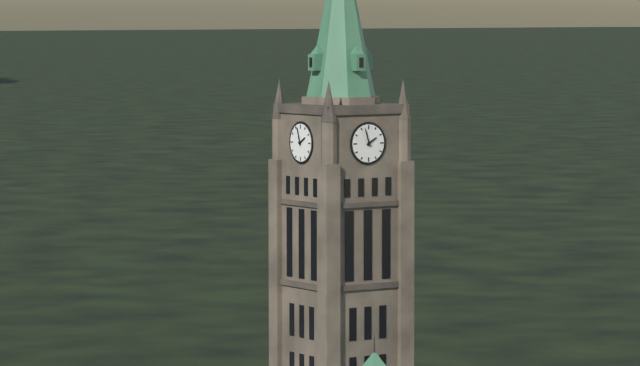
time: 1:57
